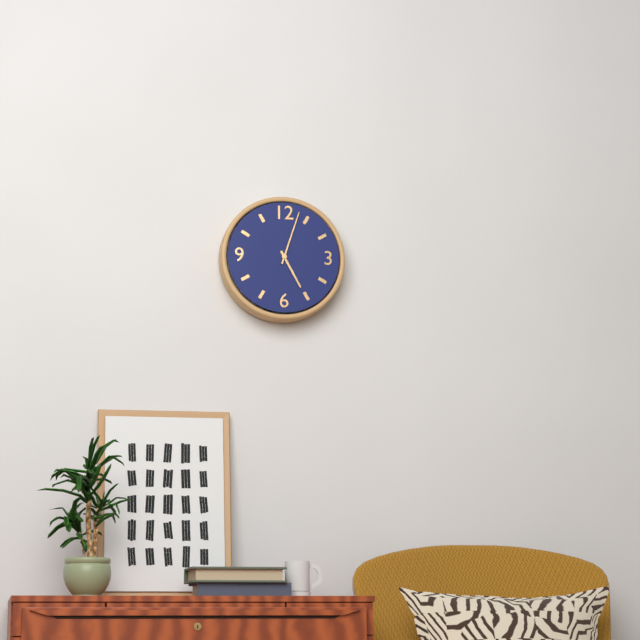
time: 5:03
